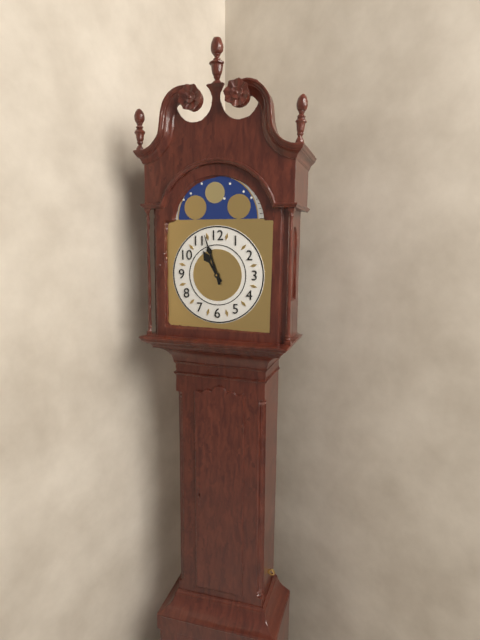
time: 10:57
